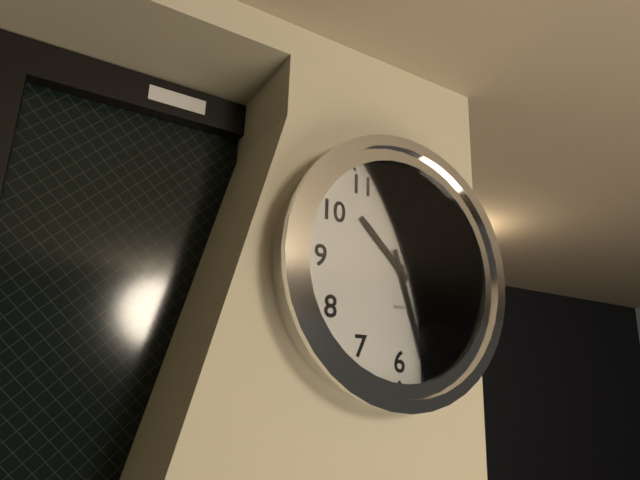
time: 10:27
